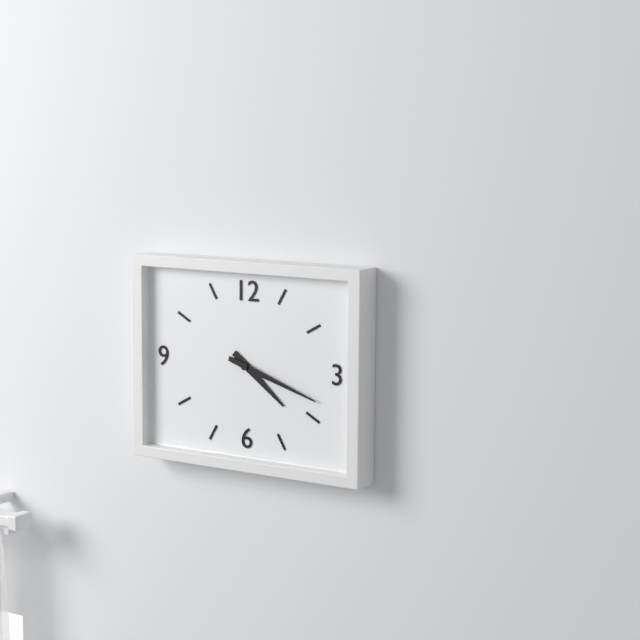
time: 4:18
